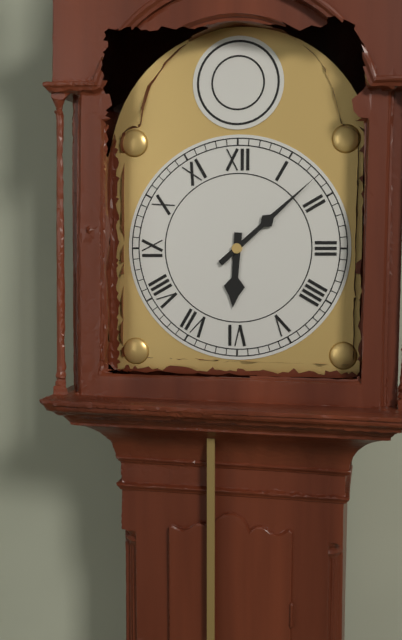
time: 6:08
